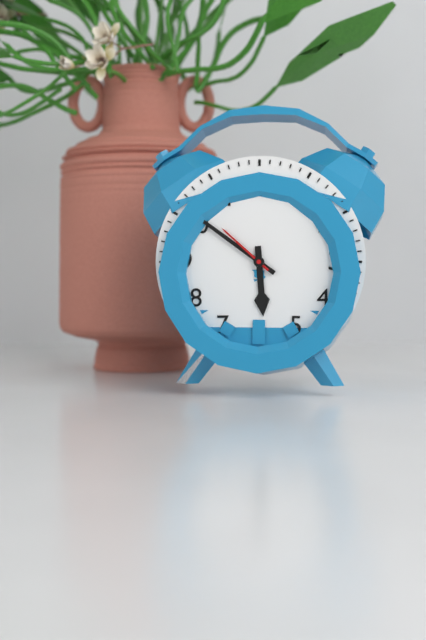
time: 5:51:52
